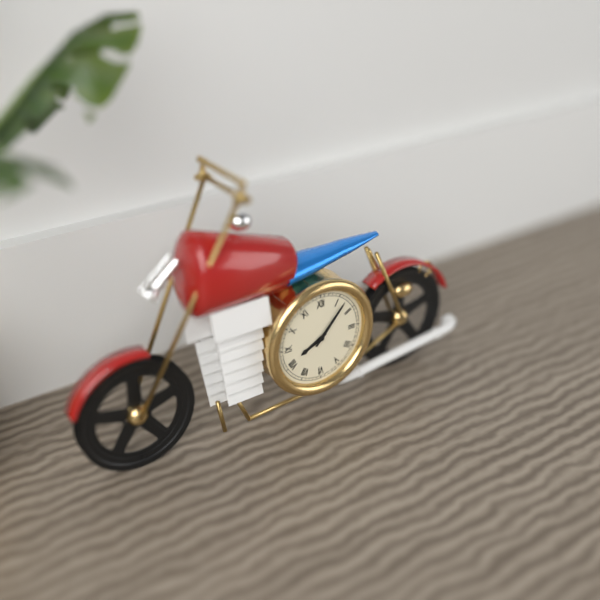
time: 8:07
